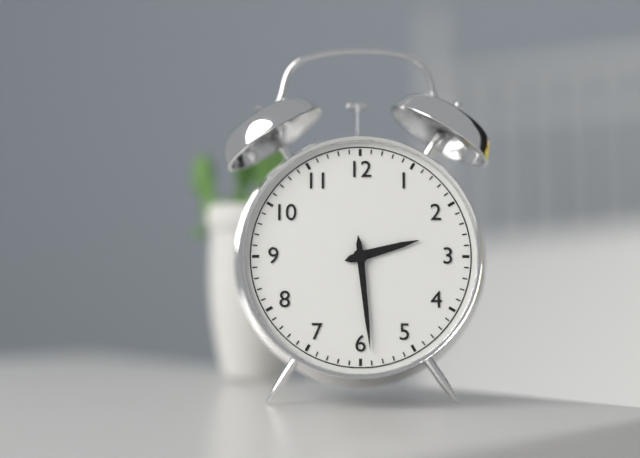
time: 2:29
